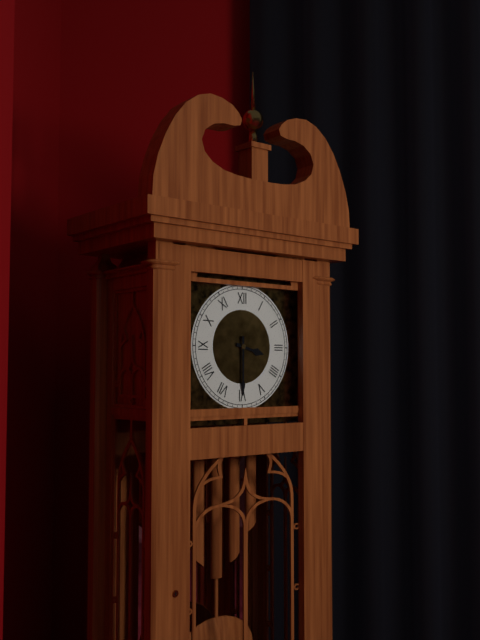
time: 3:30
